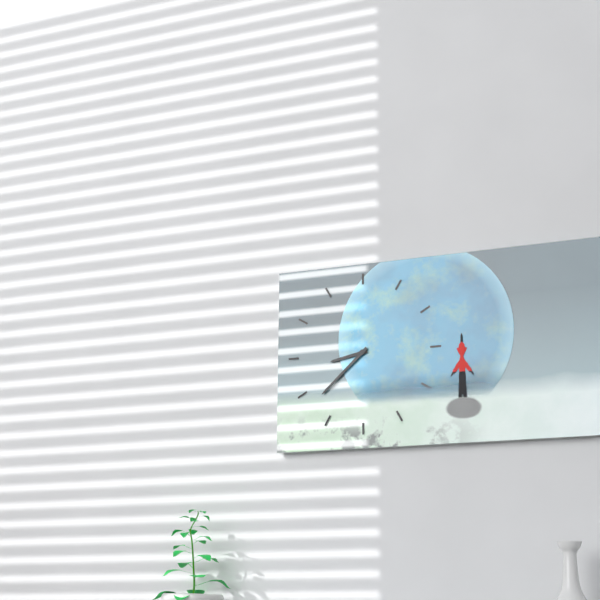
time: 8:38
